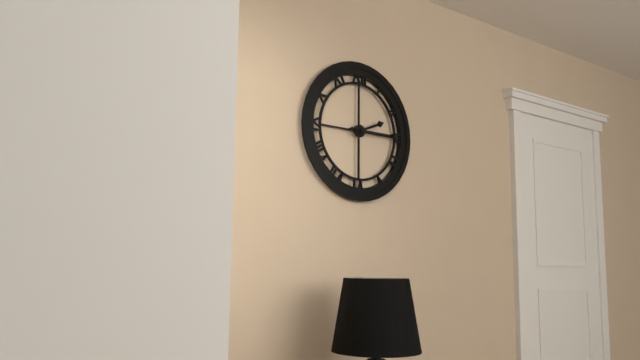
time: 2:15
